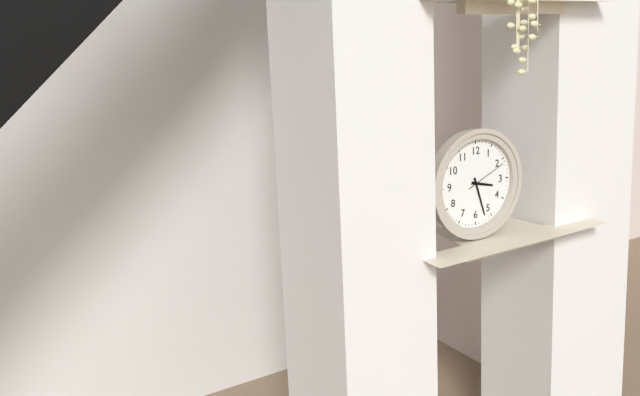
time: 3:27
